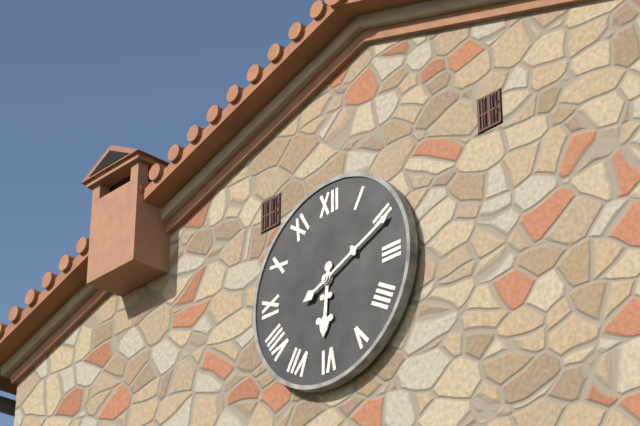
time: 6:11
